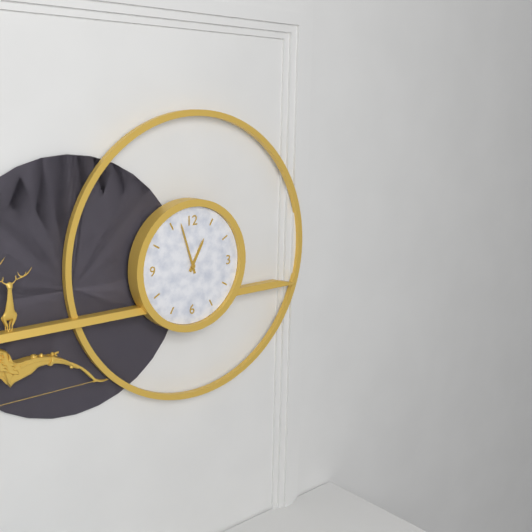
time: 12:57
